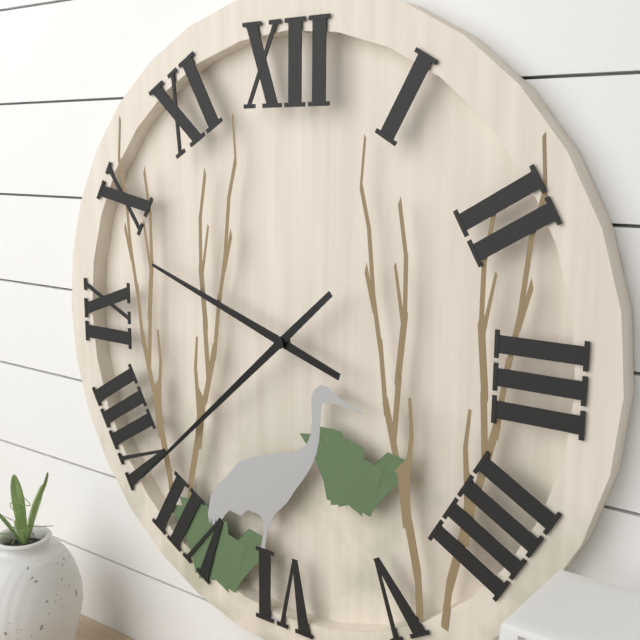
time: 9:38
